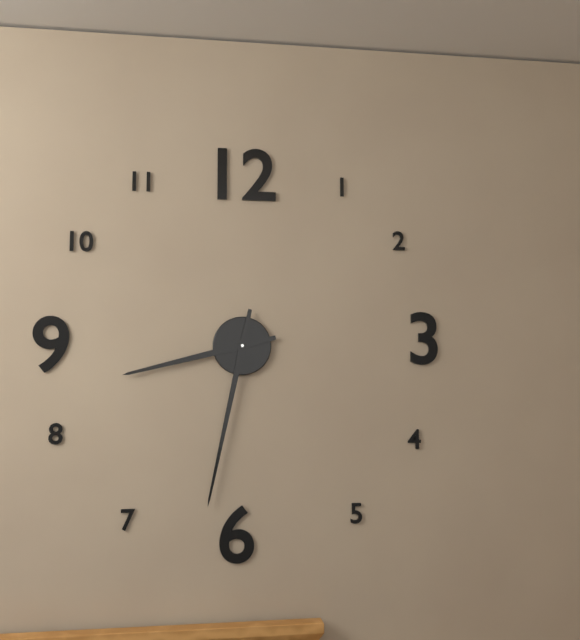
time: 8:32
